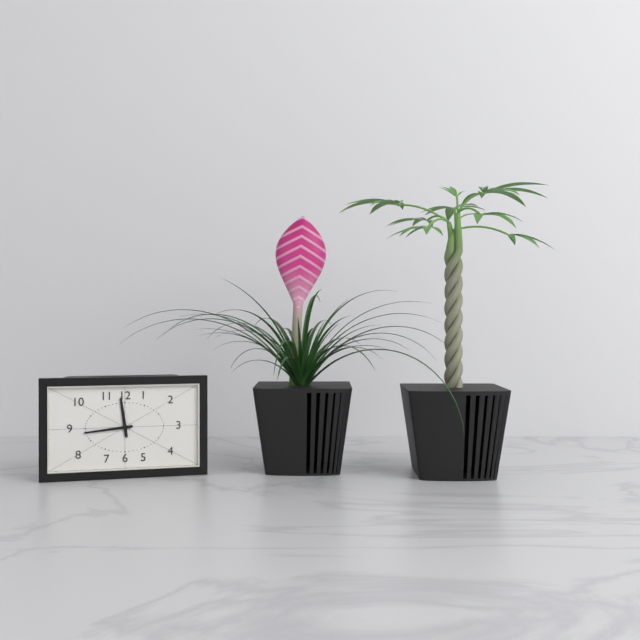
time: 11:44
